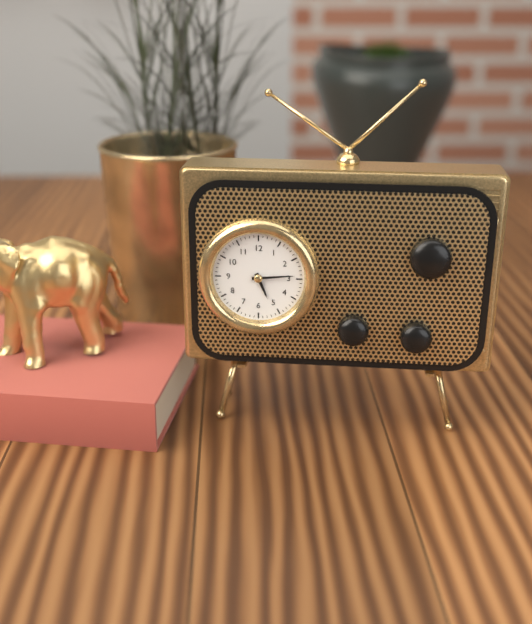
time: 5:14
